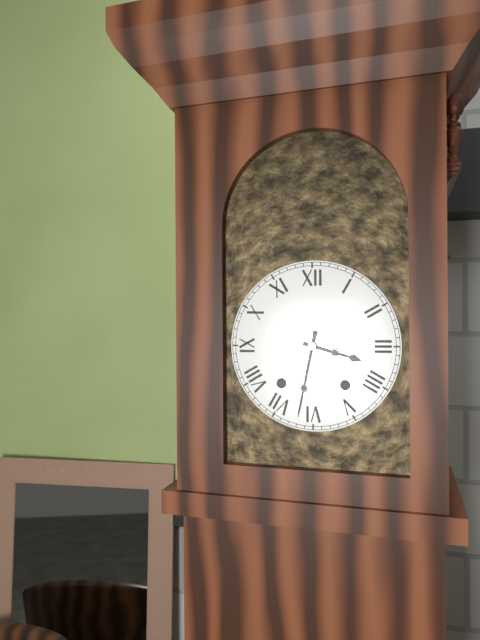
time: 3:32
